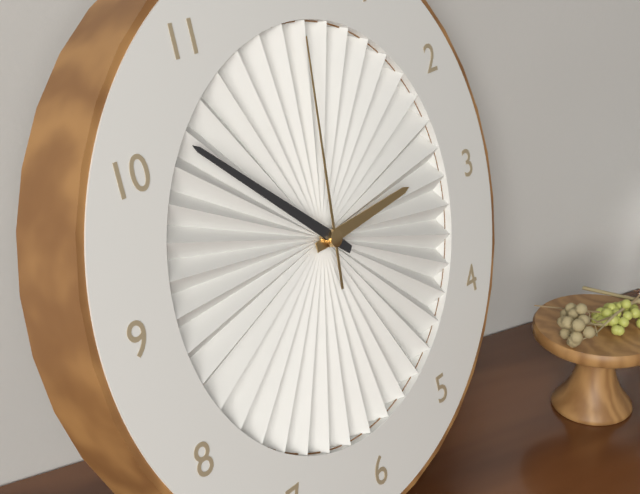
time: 2:52:01
